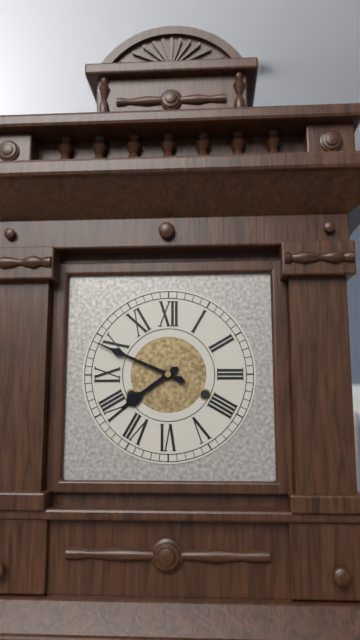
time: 7:49
